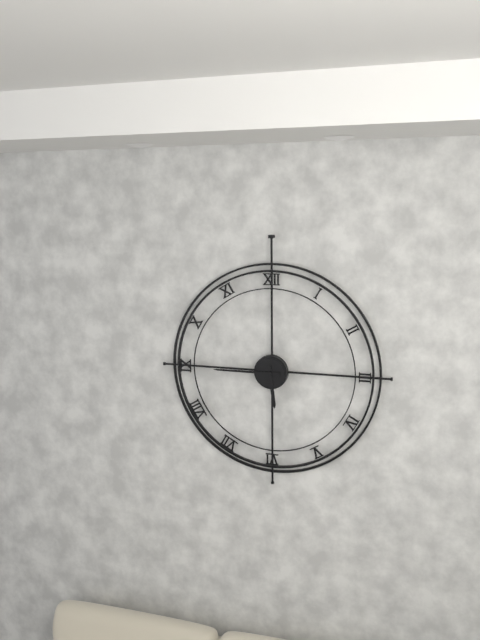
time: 5:45
